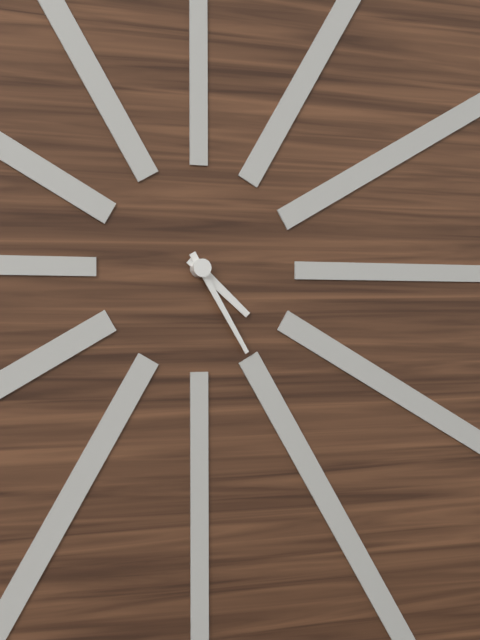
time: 4:25
